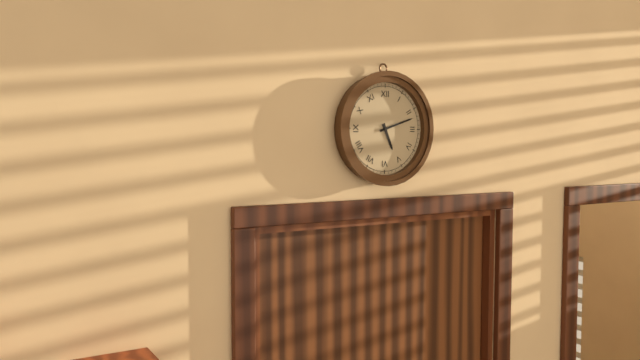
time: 5:12
